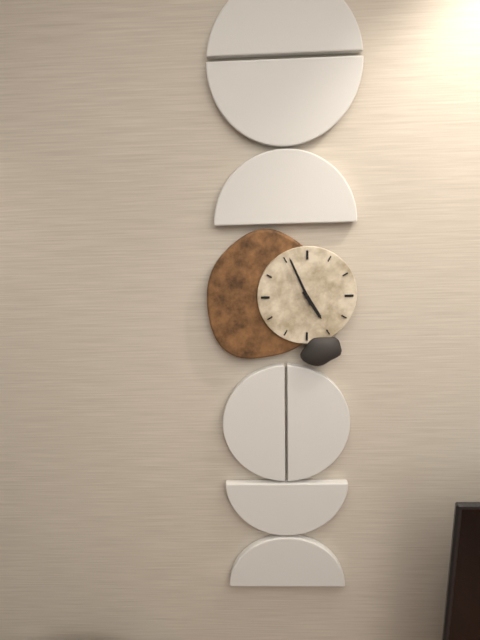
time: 4:56
